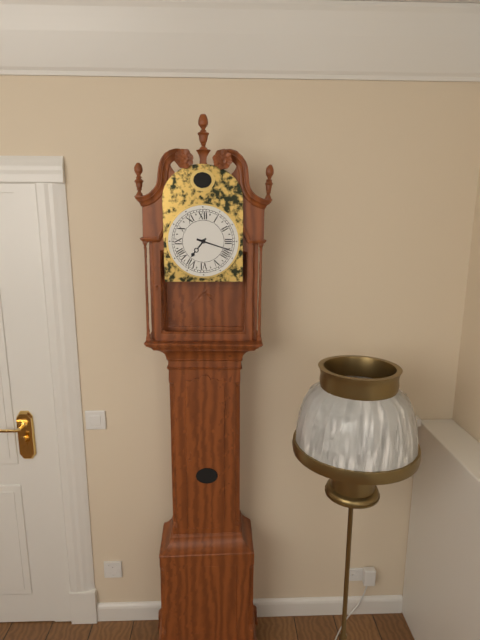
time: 7:18
